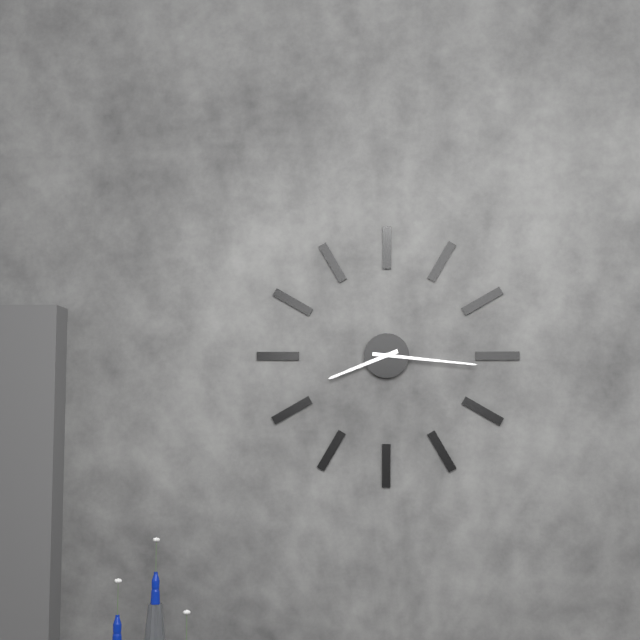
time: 8:16
